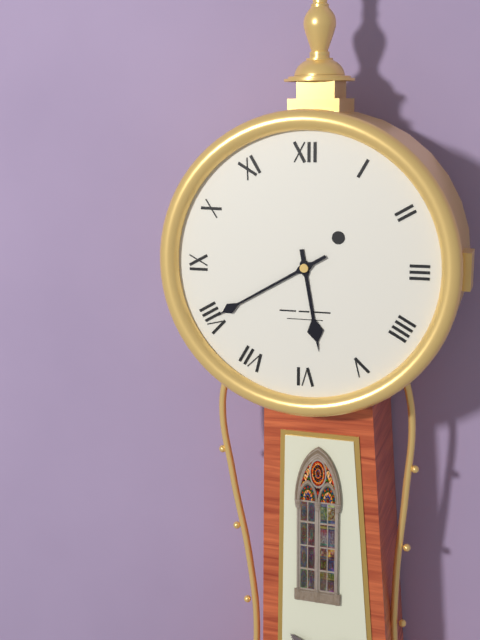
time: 5:40
